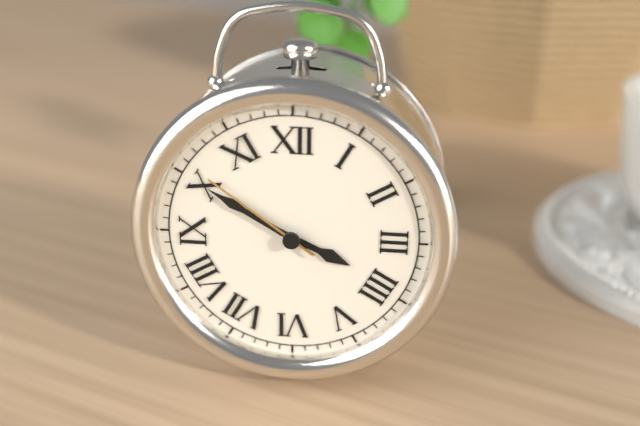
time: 3:50:51
